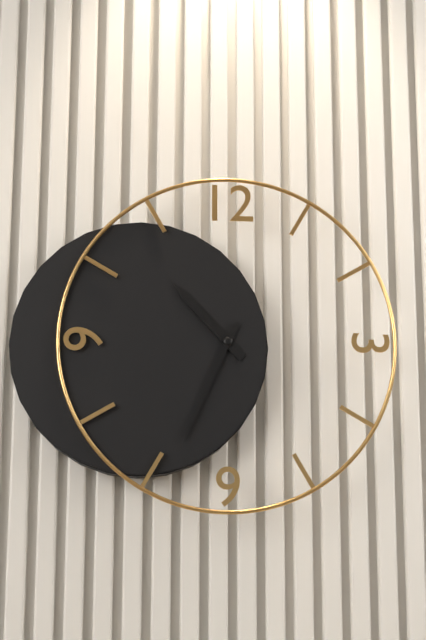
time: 10:34
